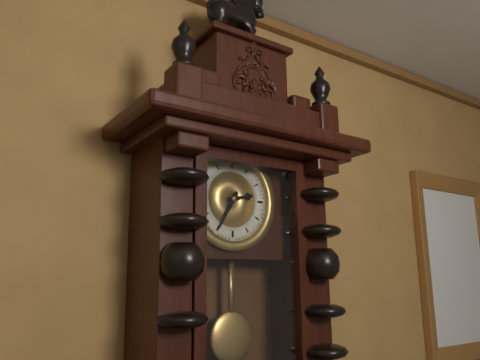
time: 2:35
